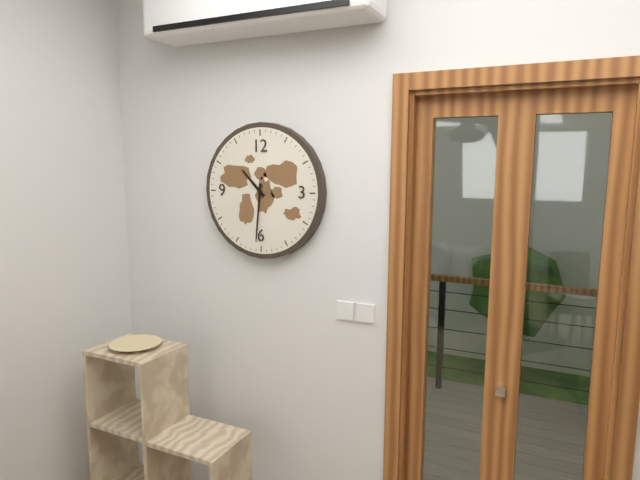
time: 10:31
